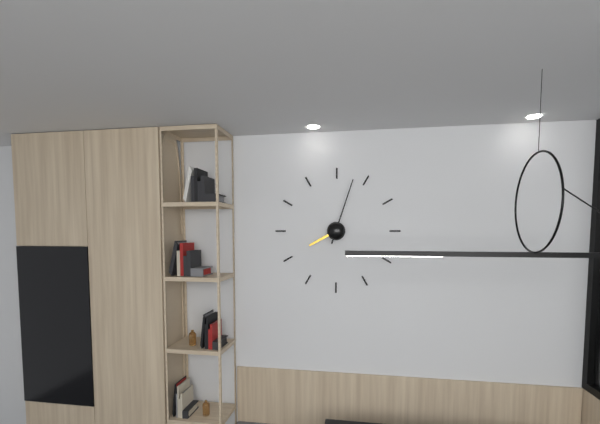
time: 8:03
